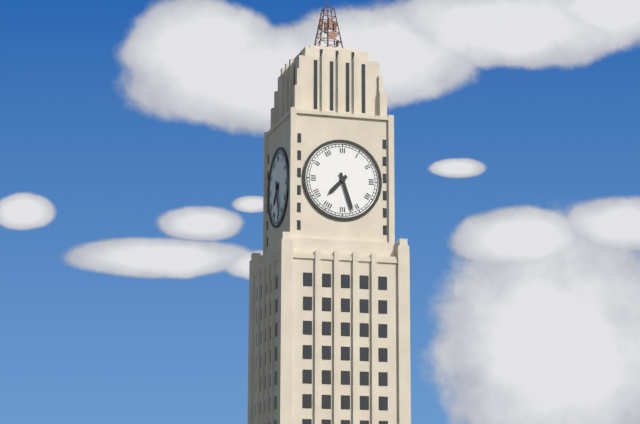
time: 7:27
